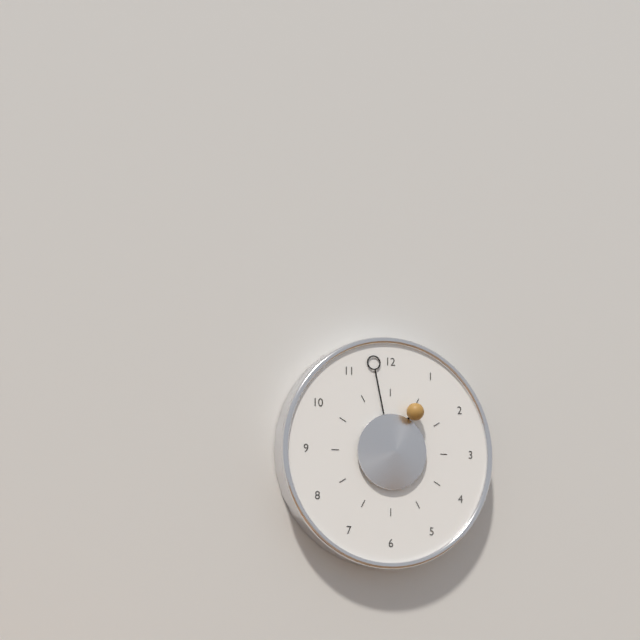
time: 12:58
